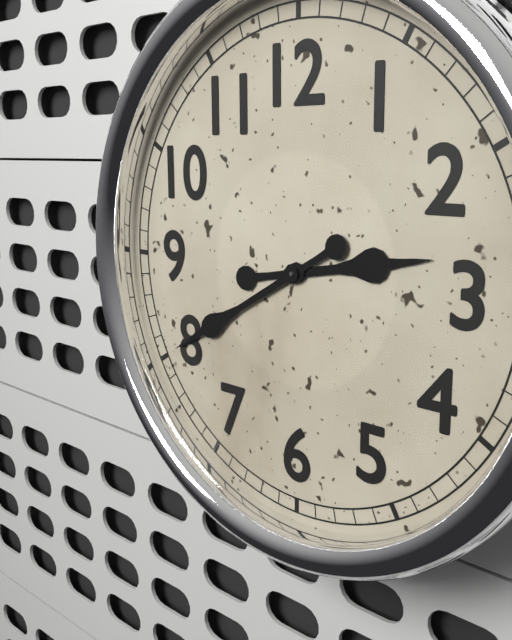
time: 2:40
